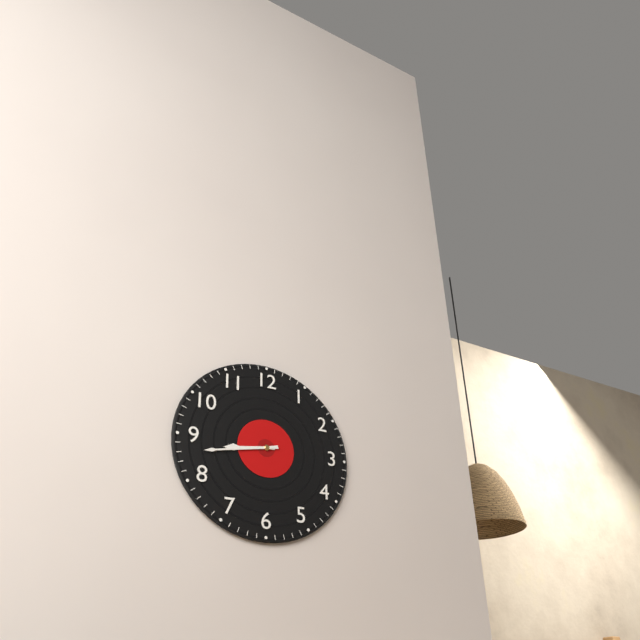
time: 8:43
